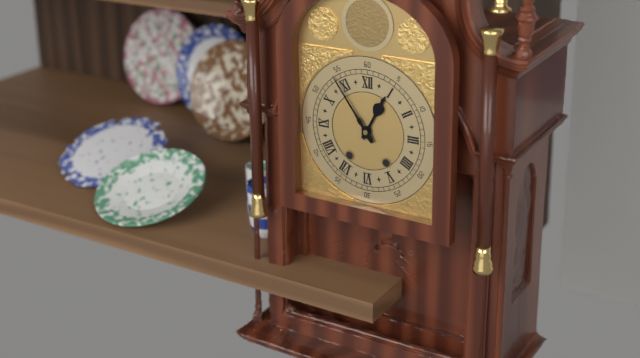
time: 12:54
